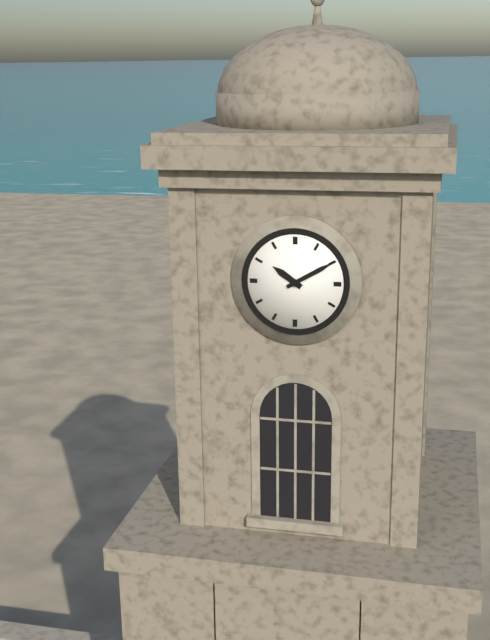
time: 10:10
